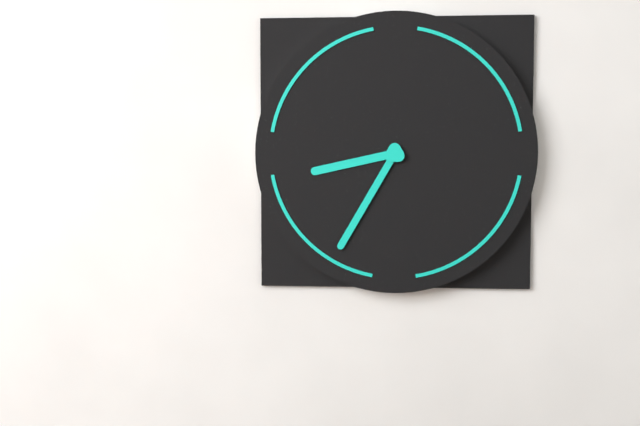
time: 8:35
